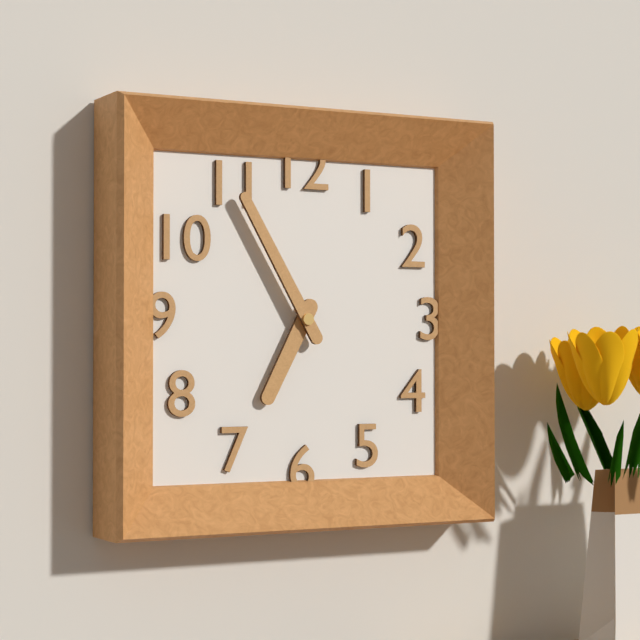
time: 6:55
